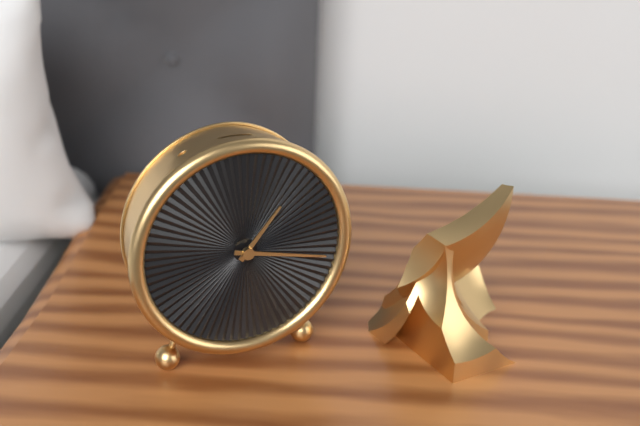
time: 1:17
